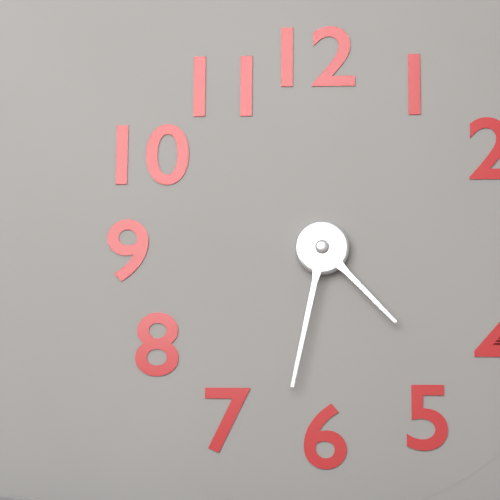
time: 4:32
